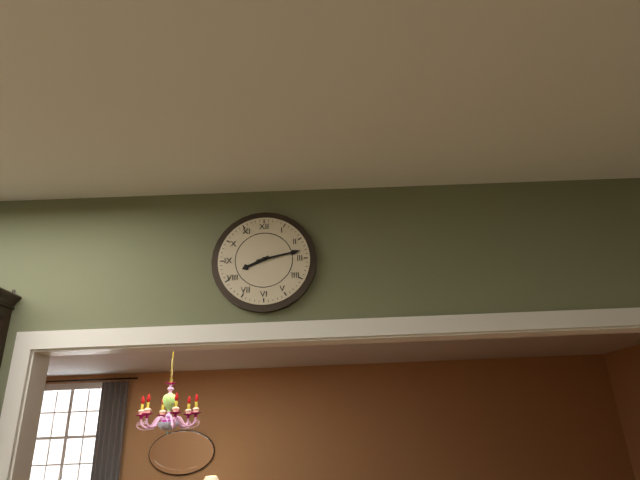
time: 8:13
